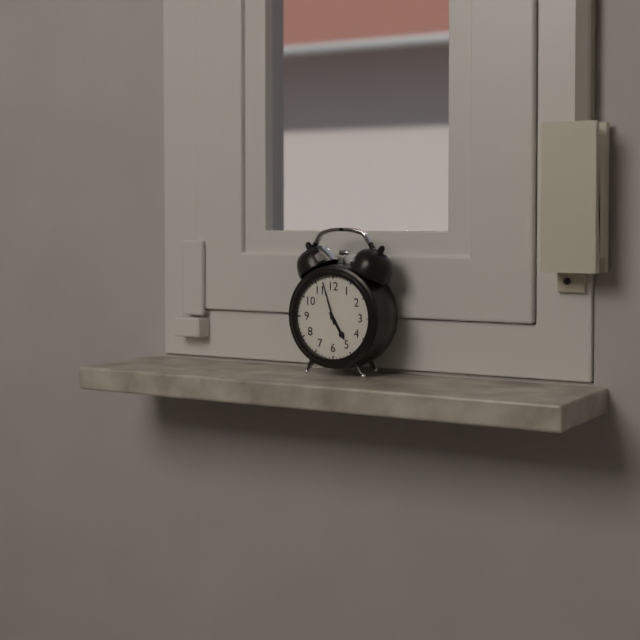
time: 4:57
